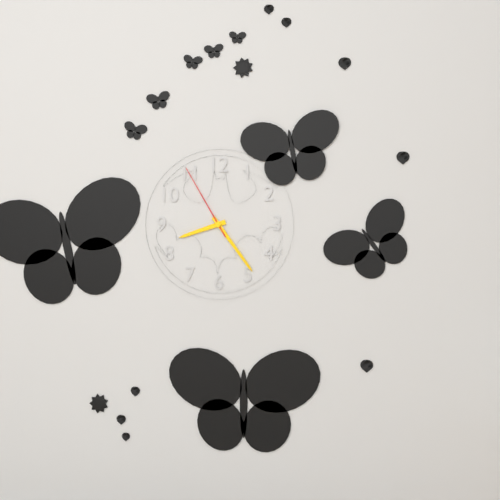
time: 8:24:55
